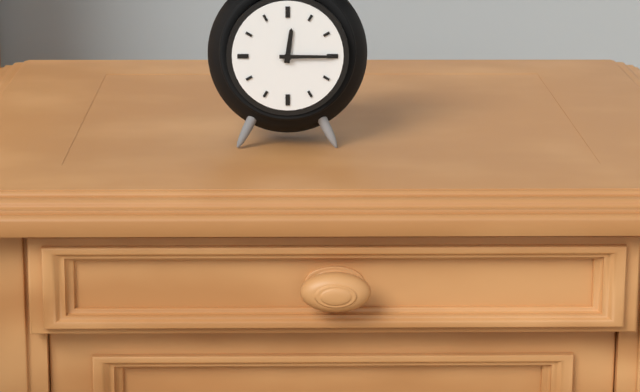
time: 12:15
